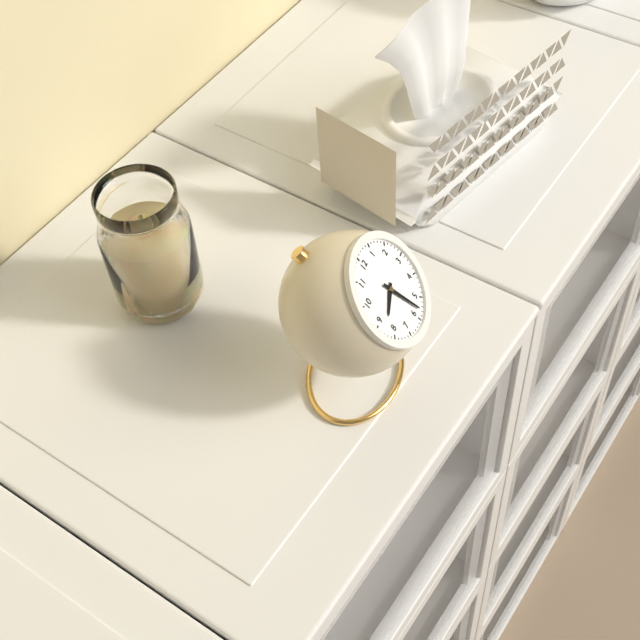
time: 8:28
